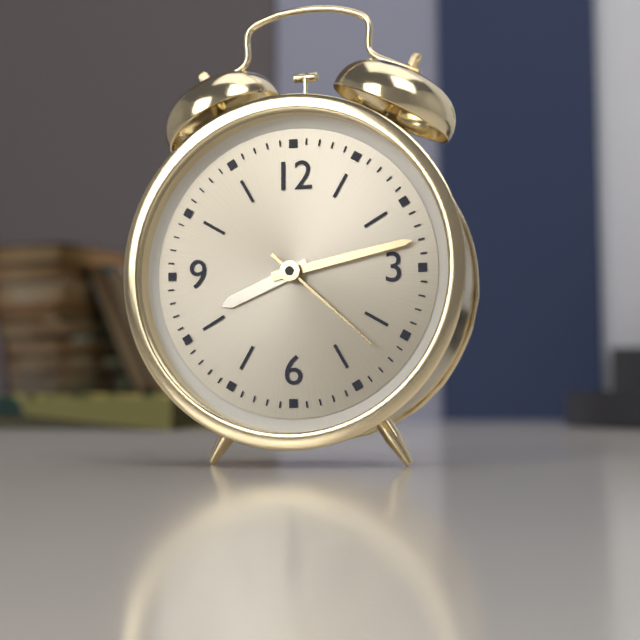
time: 8:13:22
